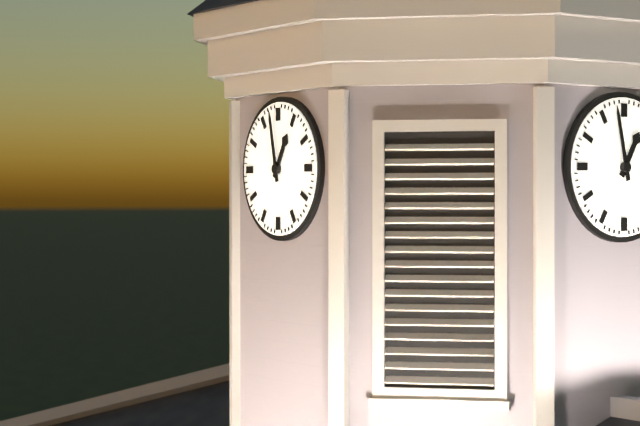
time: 12:58
